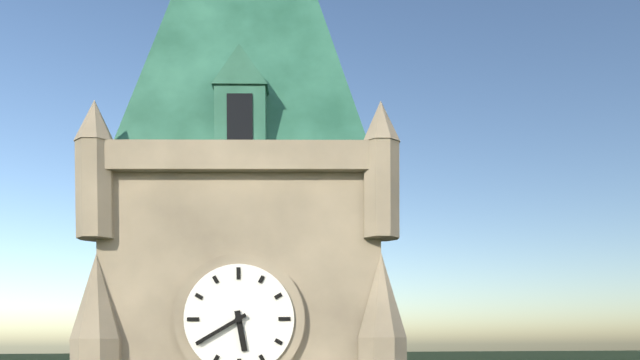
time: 5:40
